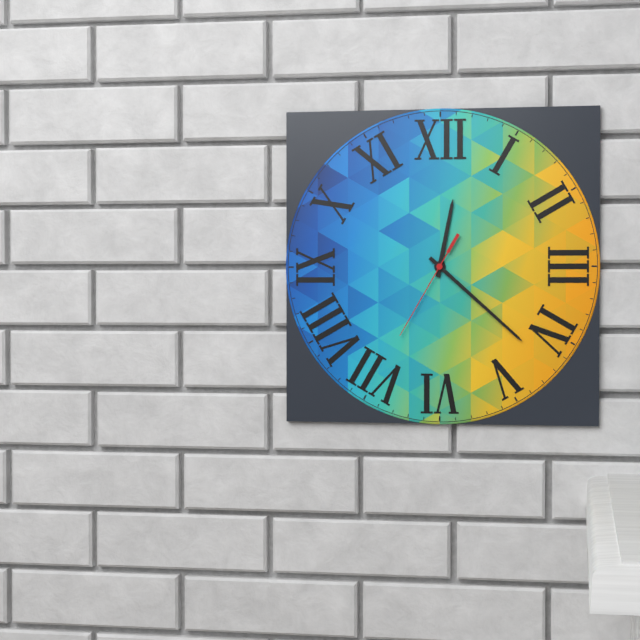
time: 12:22:35
